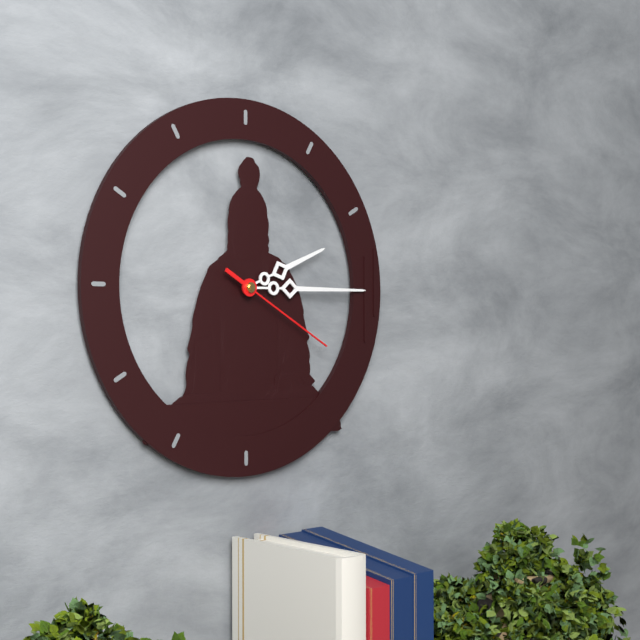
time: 2:15:20
